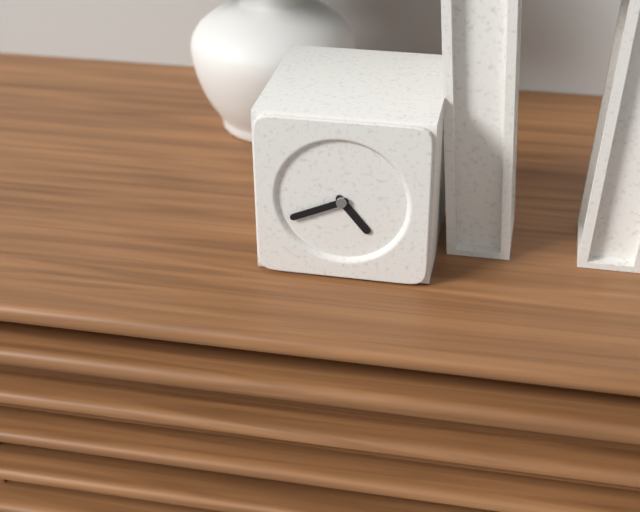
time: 4:41
